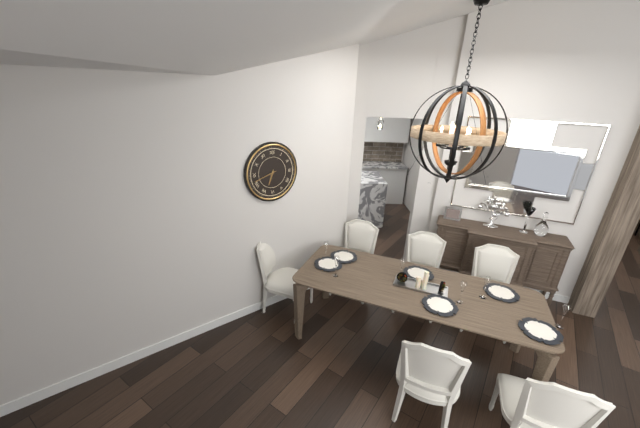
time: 6:42
